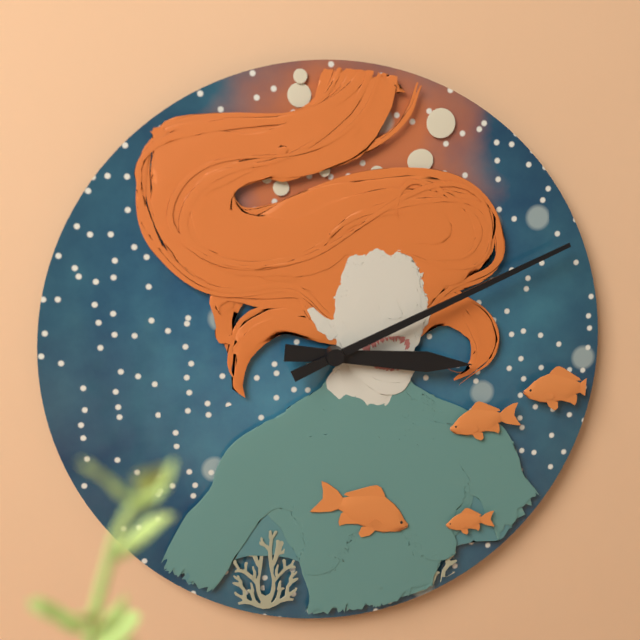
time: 3:11
